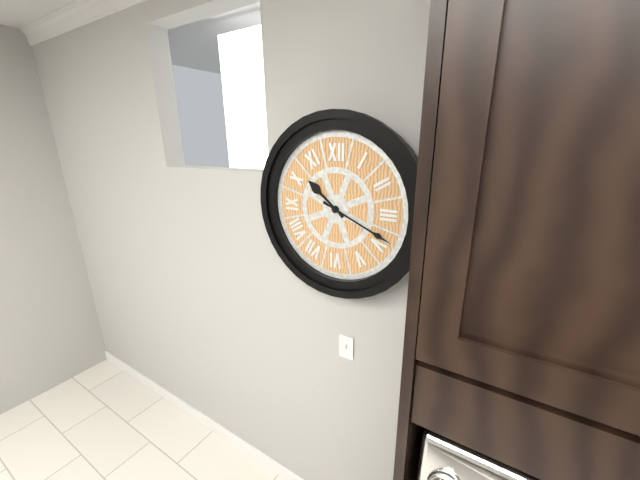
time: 10:19
